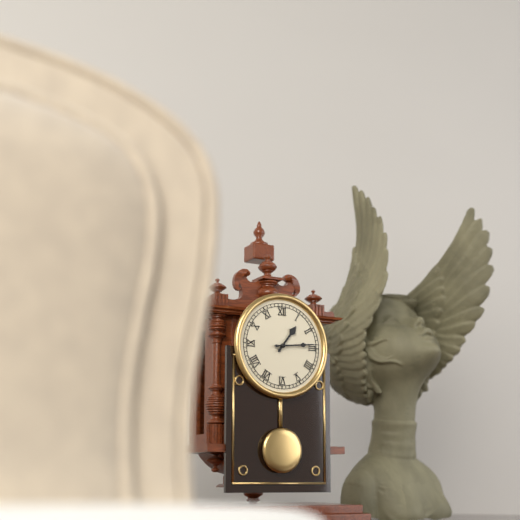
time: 1:14
